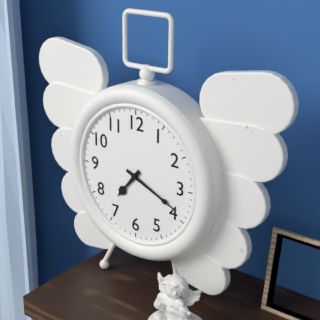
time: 7:19
